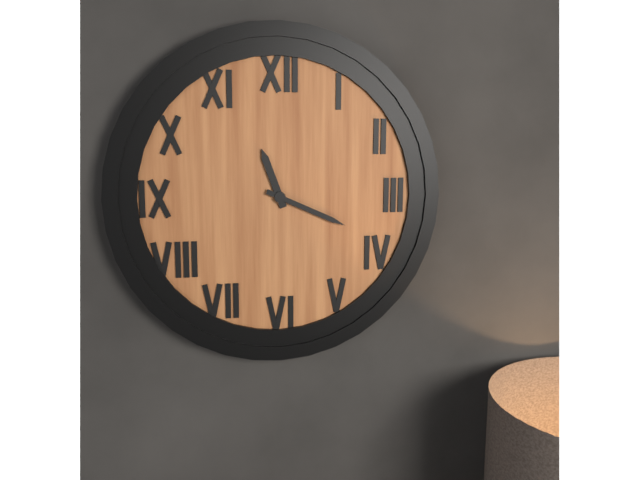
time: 11:19
